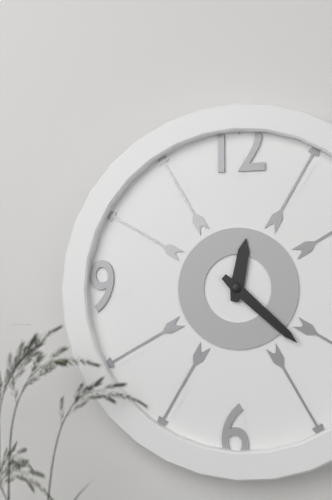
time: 12:22
